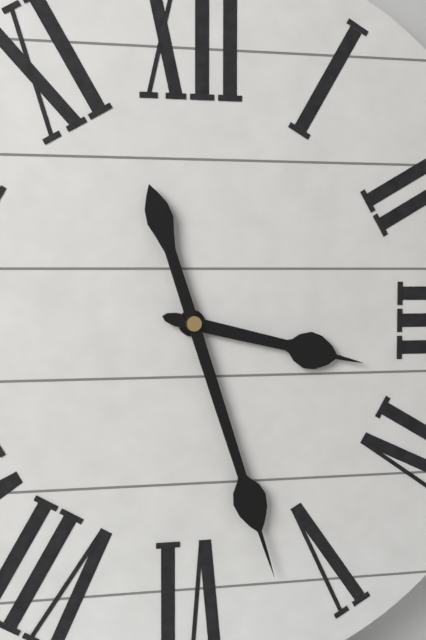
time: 3:27
